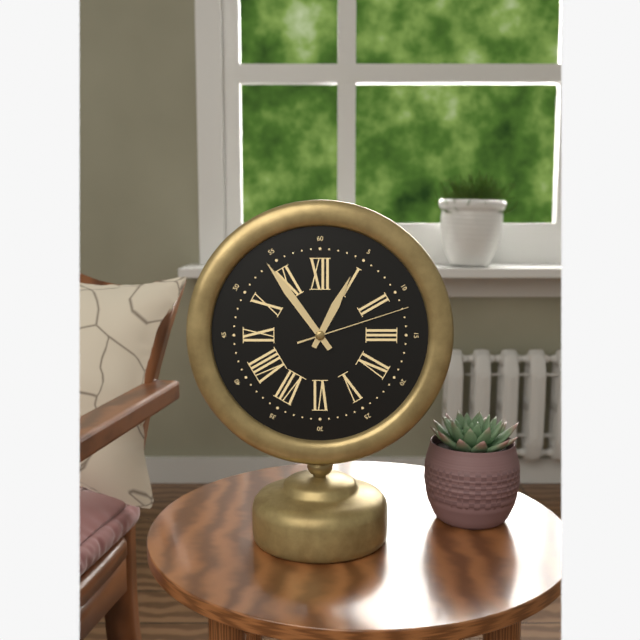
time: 12:54:12
